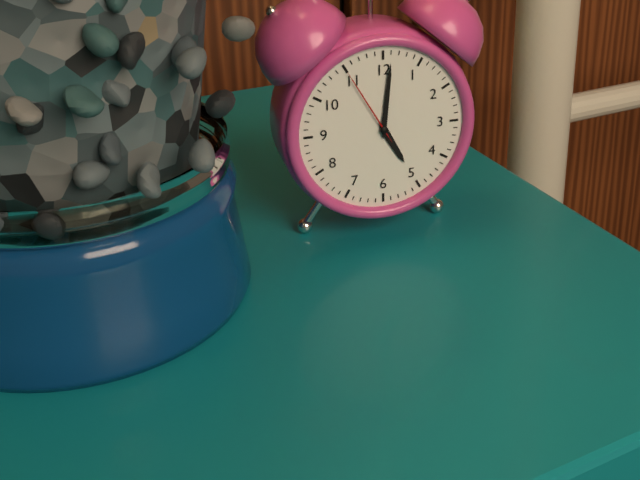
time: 5:01:55
